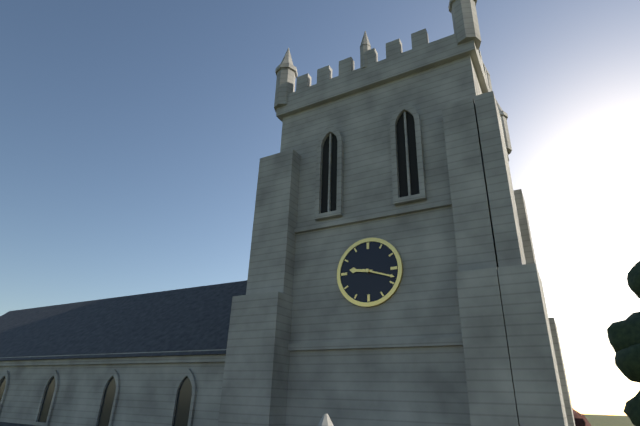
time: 9:18
